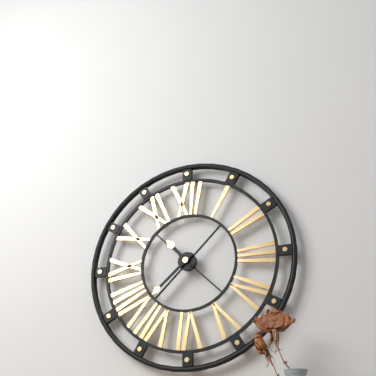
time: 10:38
